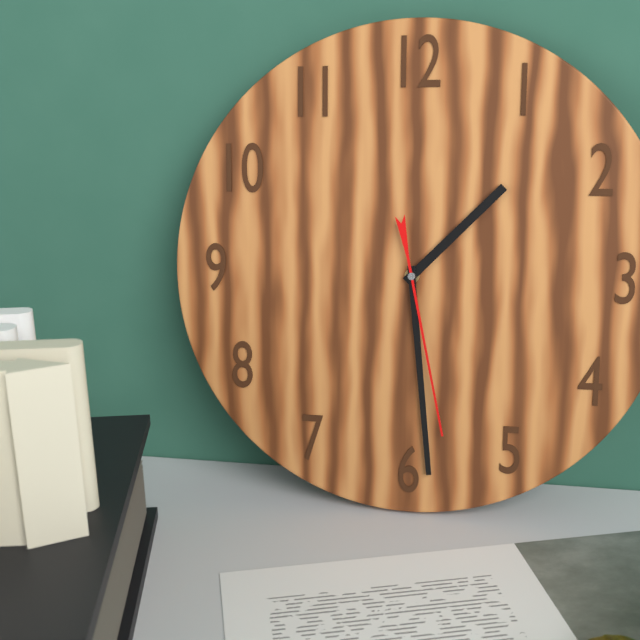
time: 1:29:28
